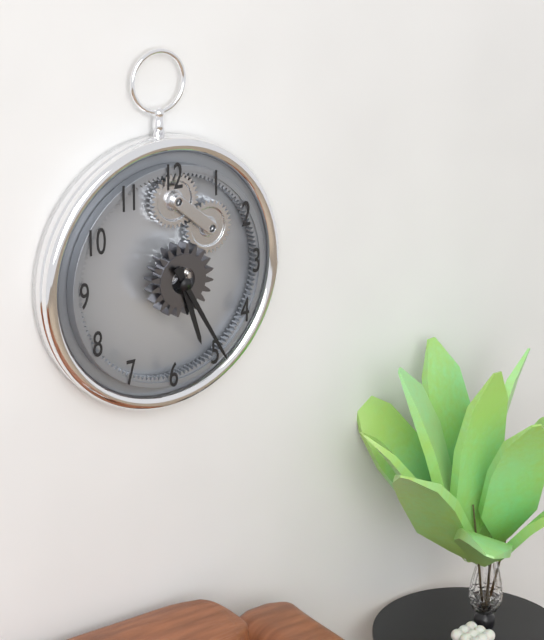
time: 5:25
